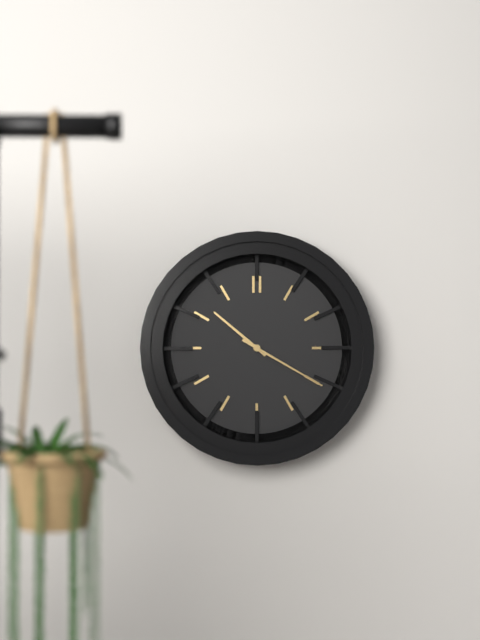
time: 10:20
